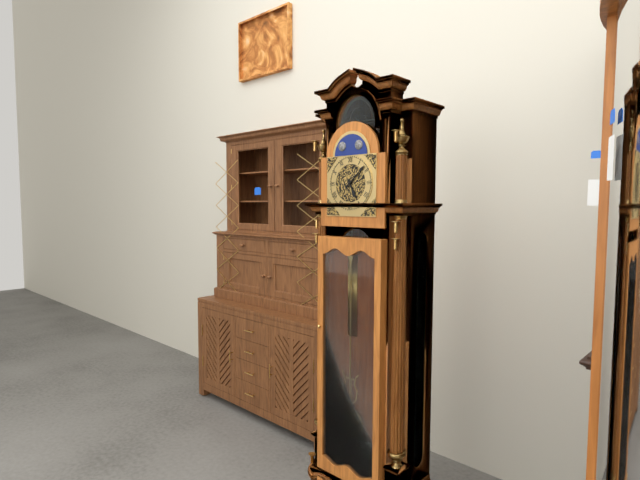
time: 5:08
